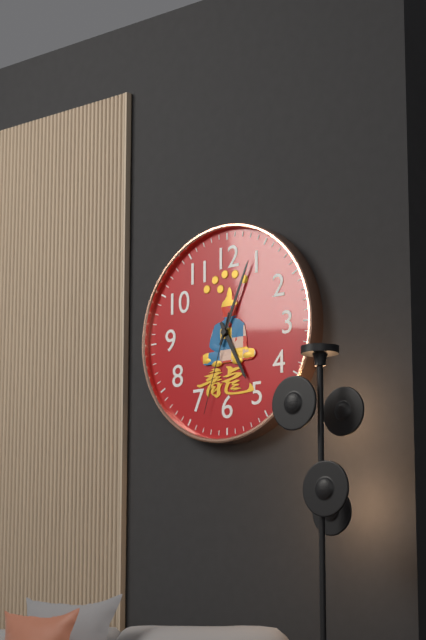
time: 5:04:33
